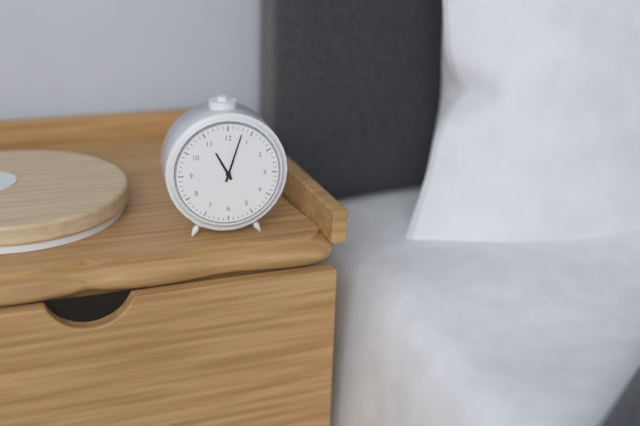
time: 11:03
